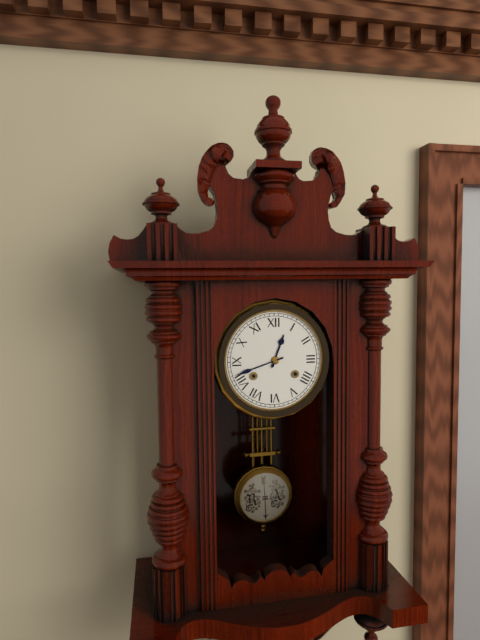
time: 12:42
